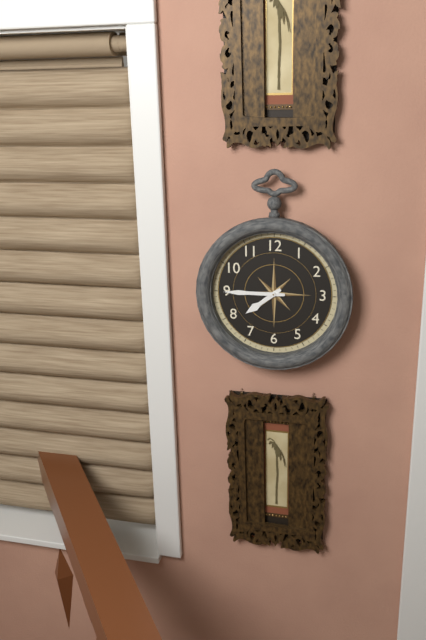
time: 7:45
